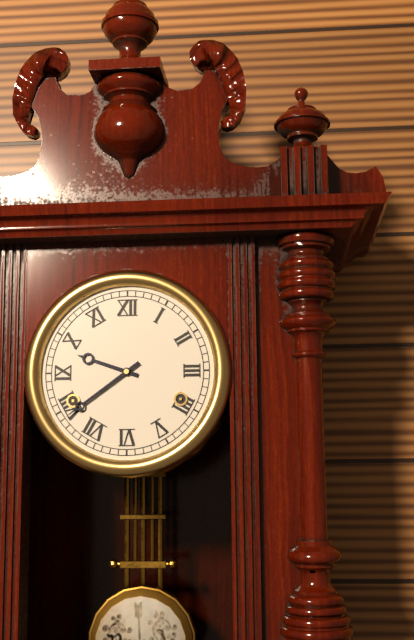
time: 9:39
